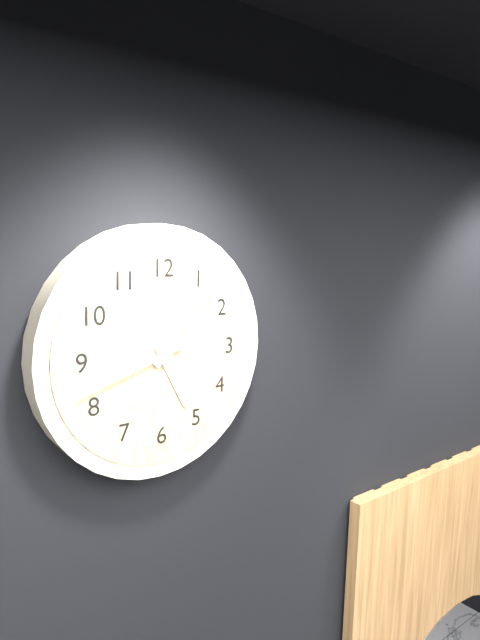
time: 5:07:42
